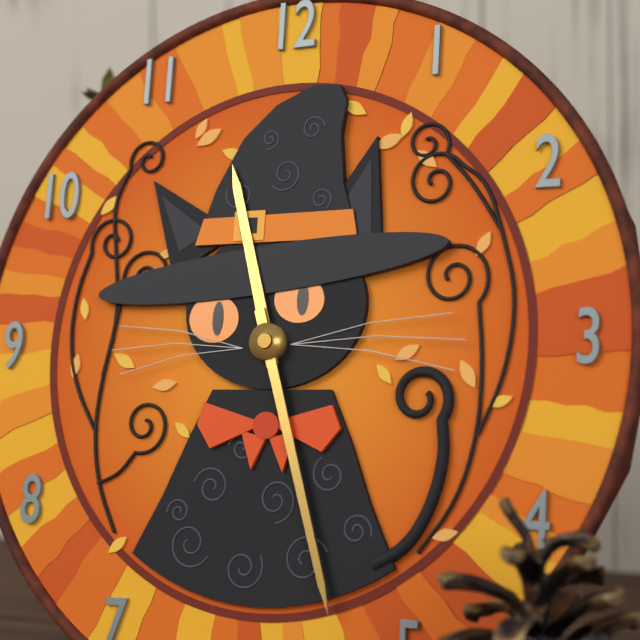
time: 11:27
